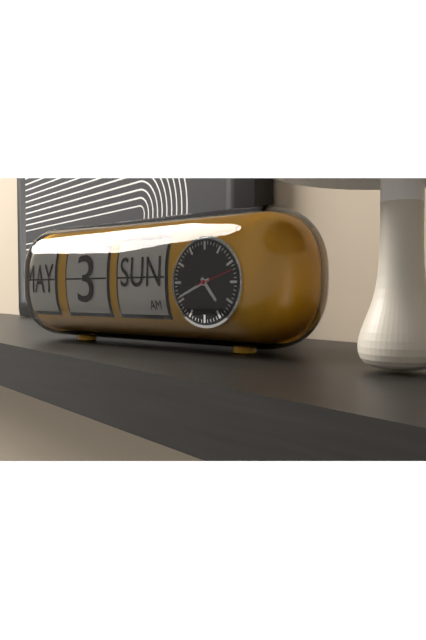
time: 4:41
